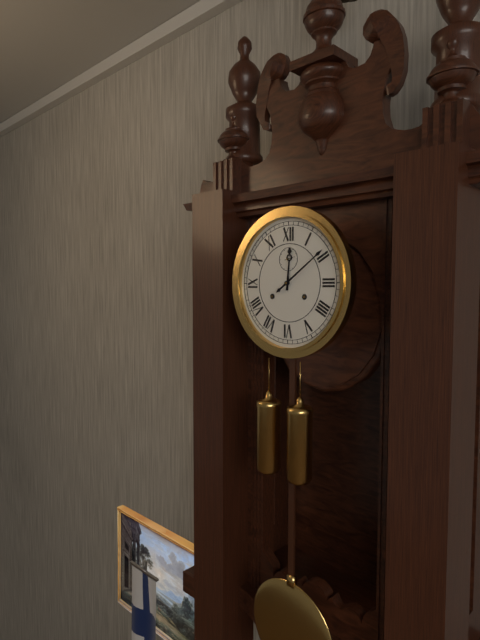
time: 12:09
